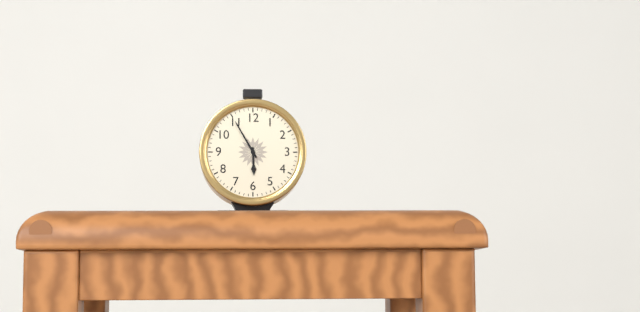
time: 5:55
